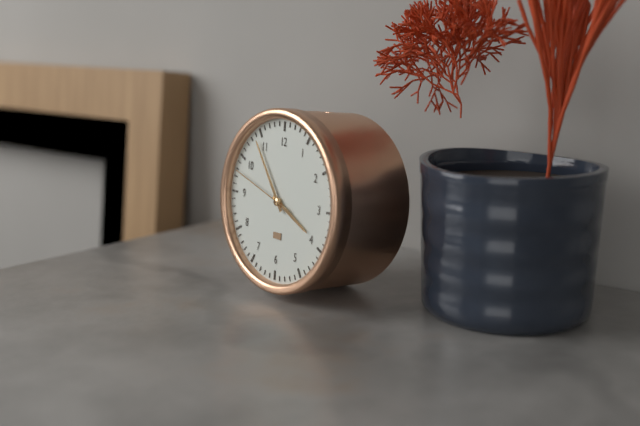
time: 3:54:48
